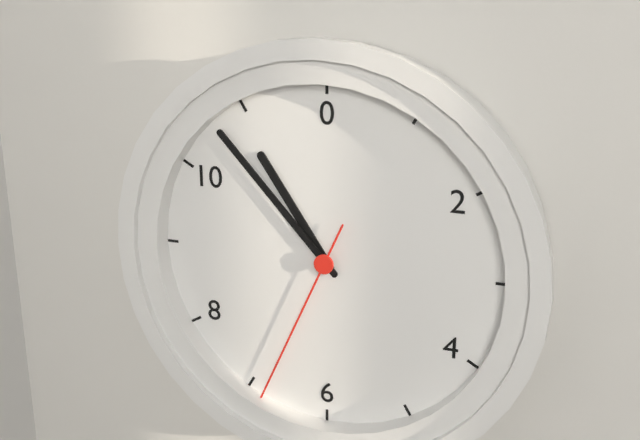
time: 10:53:34
